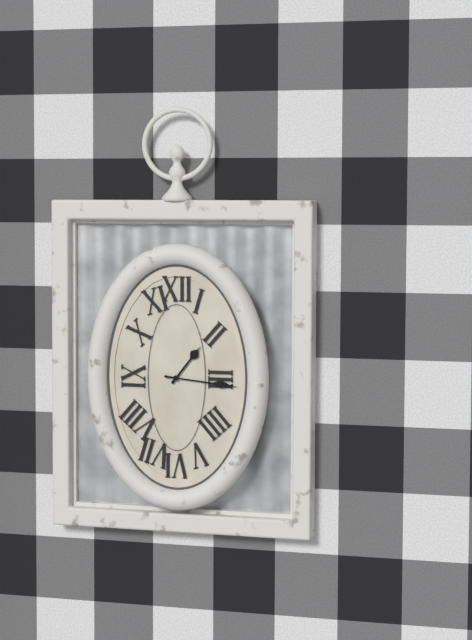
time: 1:16
